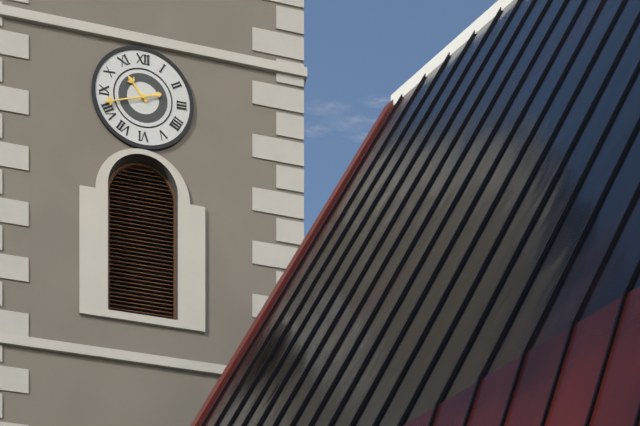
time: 10:42
